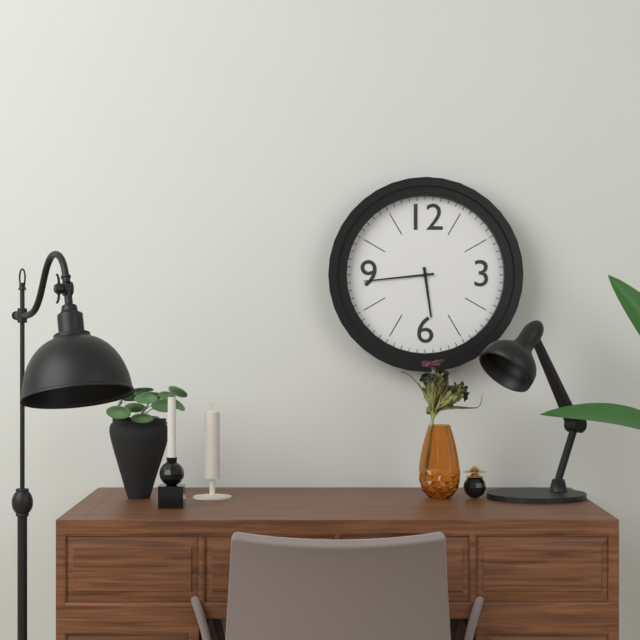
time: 5:44
